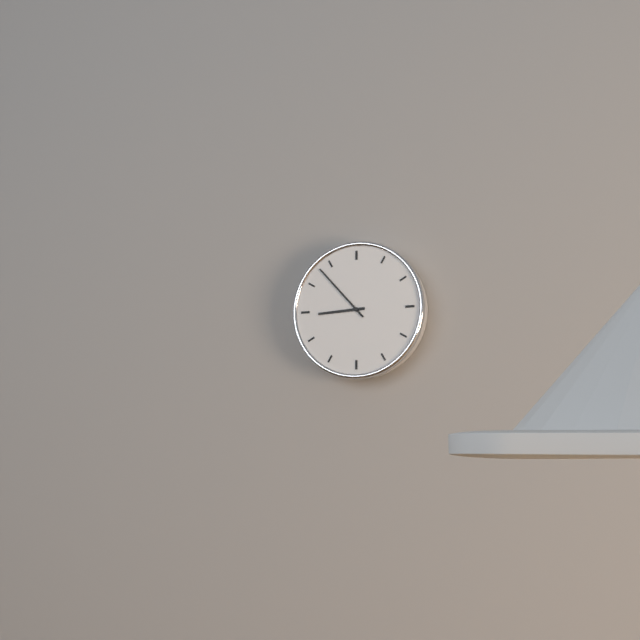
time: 8:53
